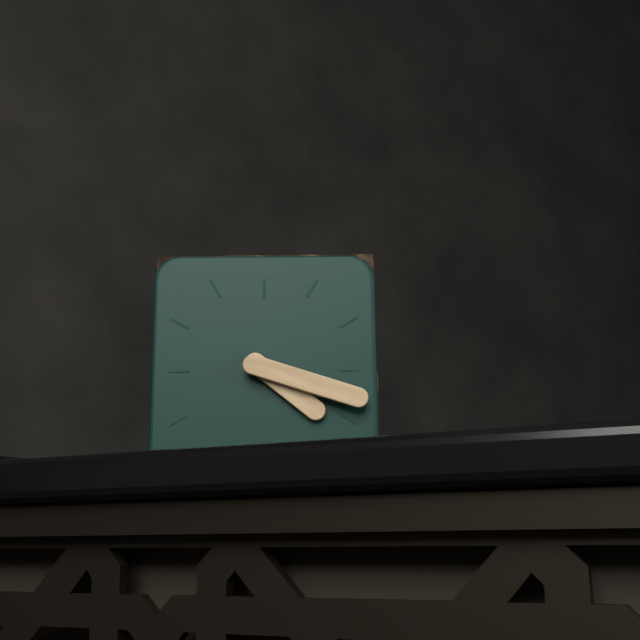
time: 4:18
